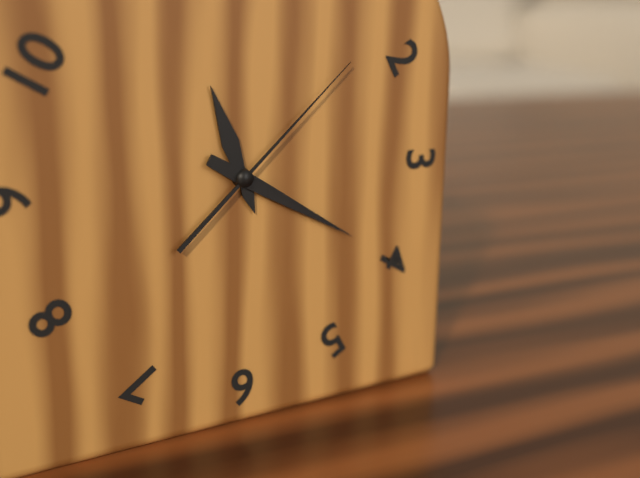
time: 11:20:08
